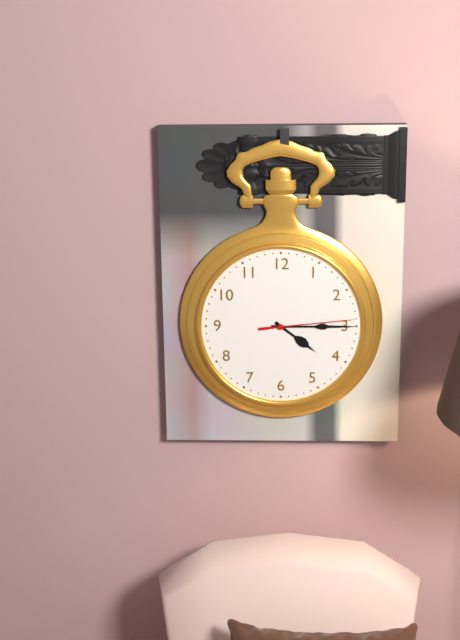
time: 4:15:14
